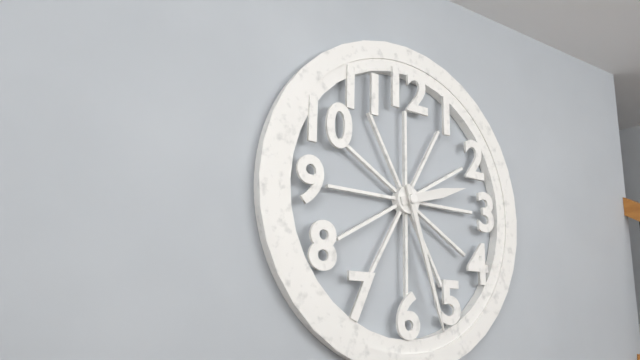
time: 2:27
